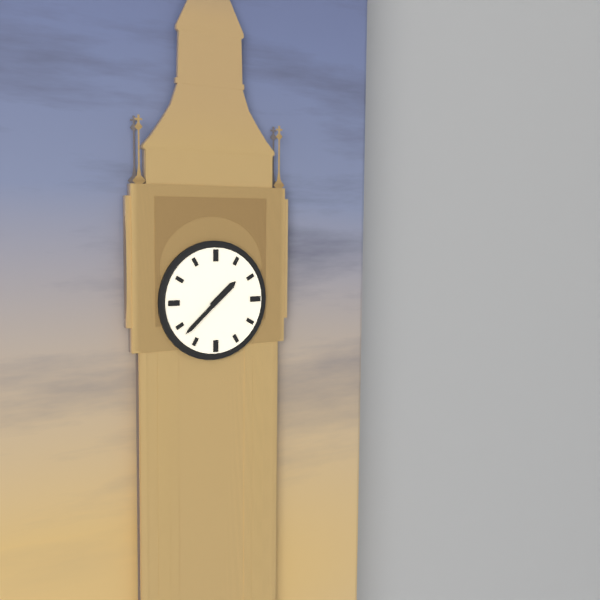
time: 1:38
